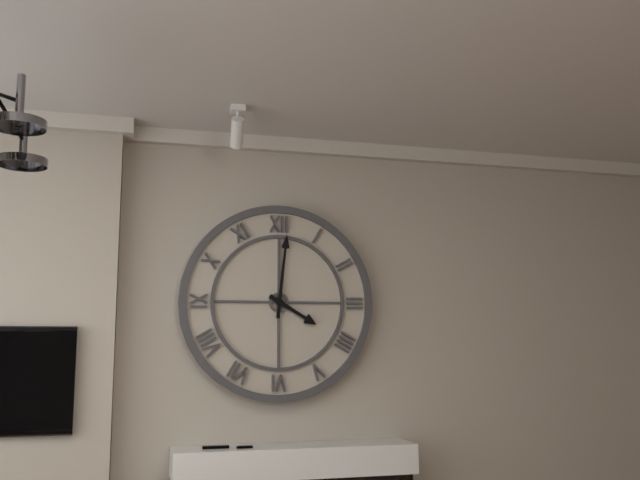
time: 4:01
